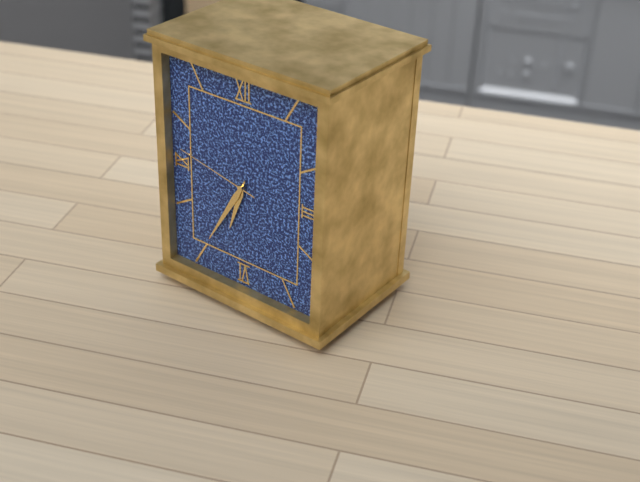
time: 6:35:47
